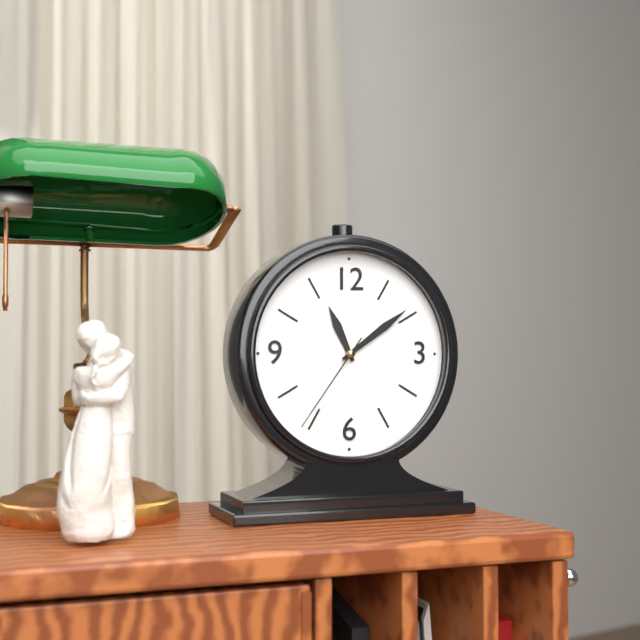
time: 11:09:36
